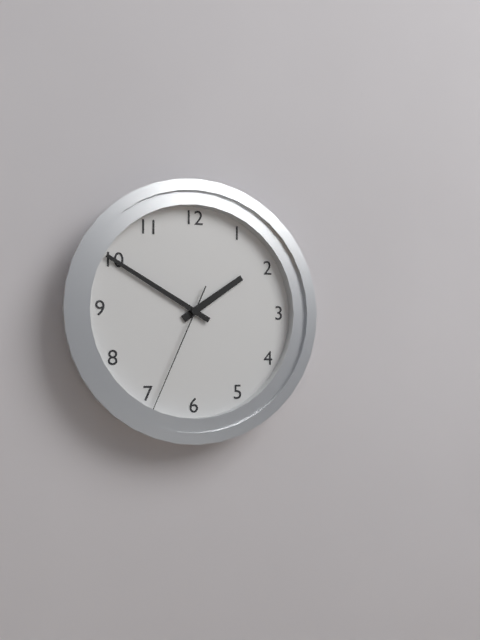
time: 1:50:34
